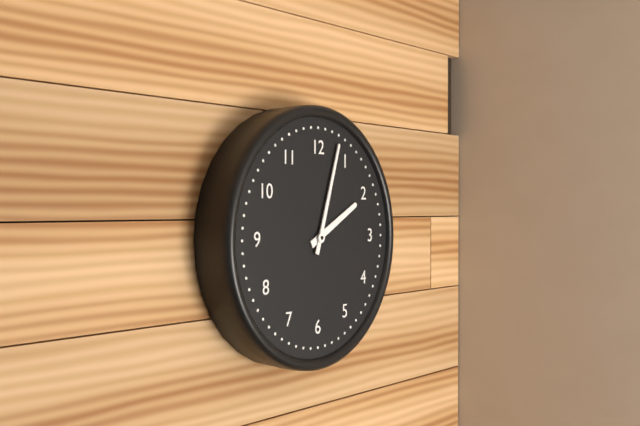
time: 2:03
